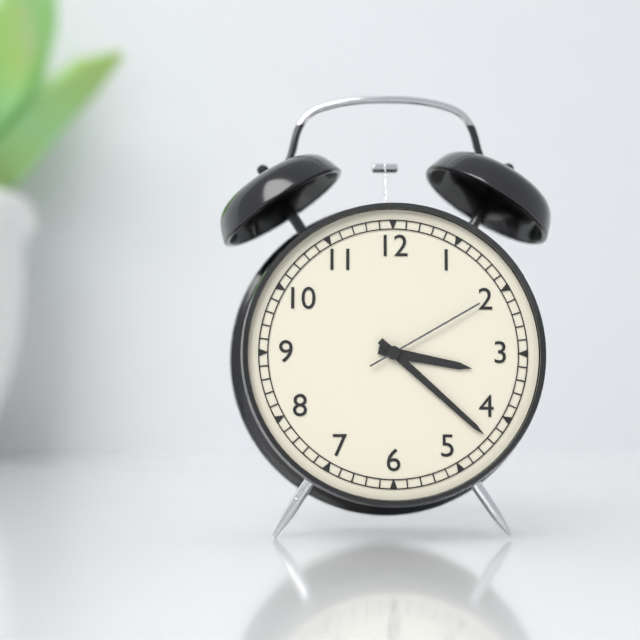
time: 3:22:10
